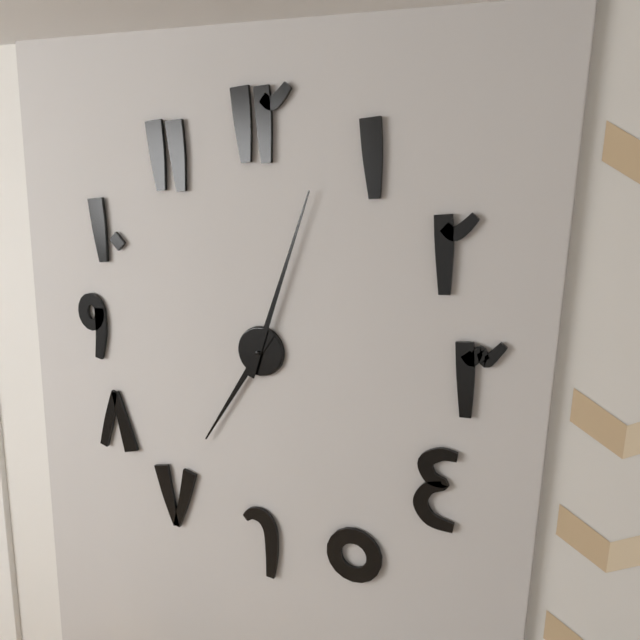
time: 7:03
